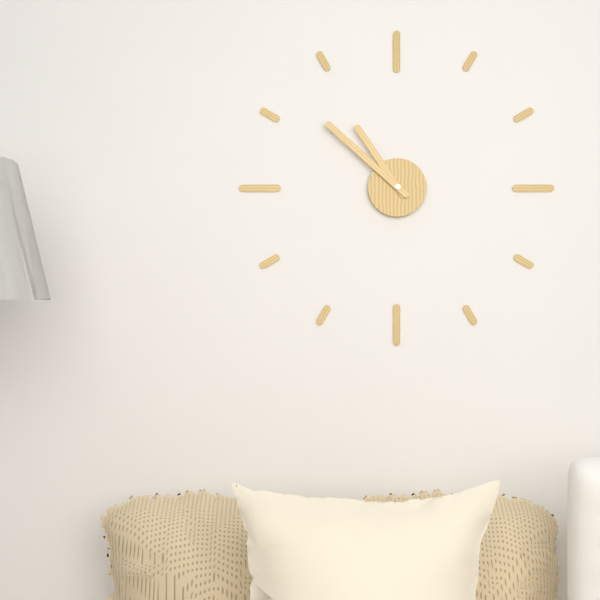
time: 10:52
